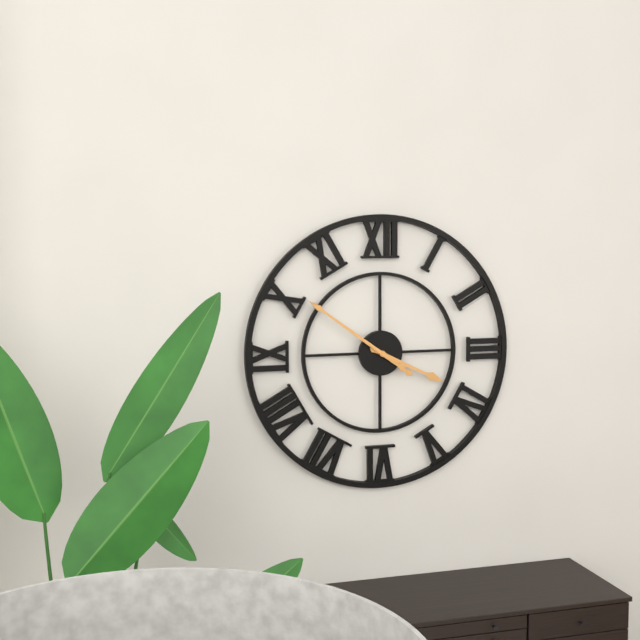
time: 3:51
